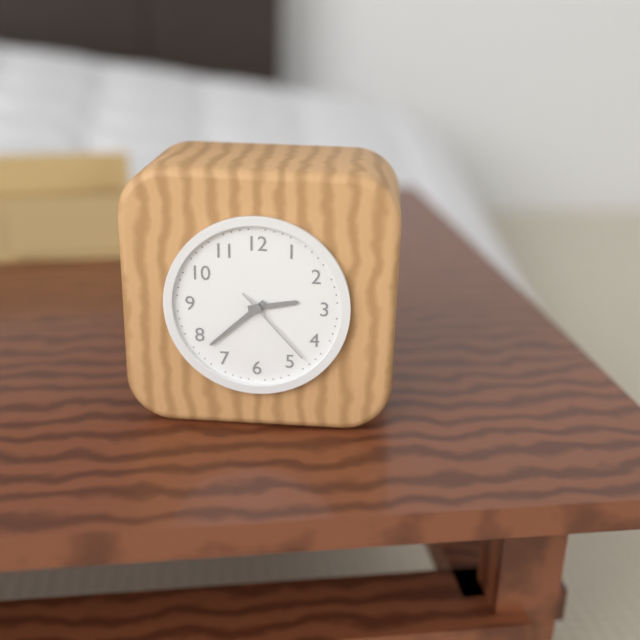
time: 2:38:23
